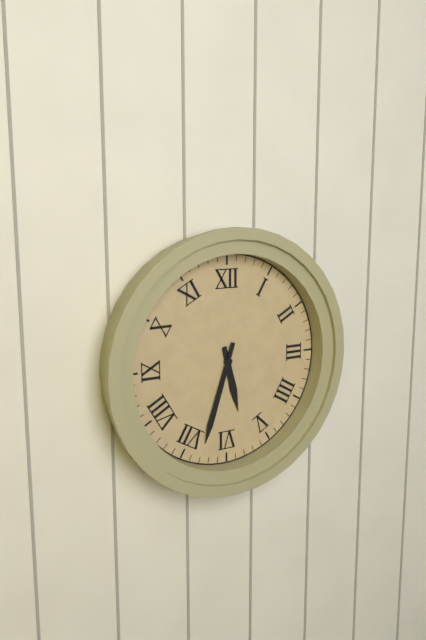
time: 5:33
